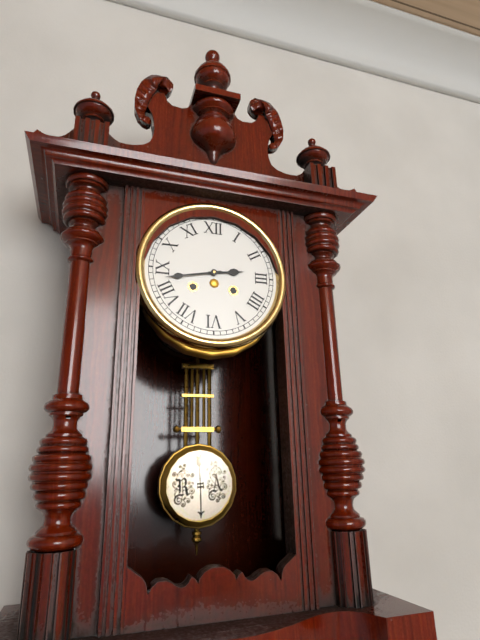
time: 2:43
